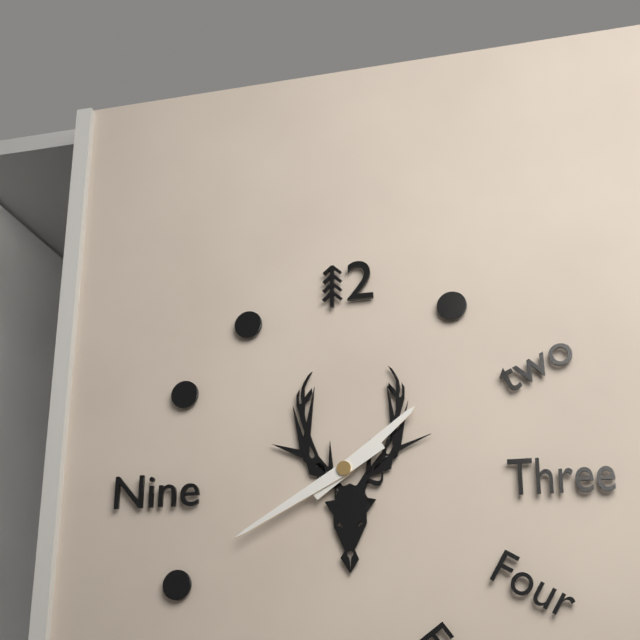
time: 1:40
